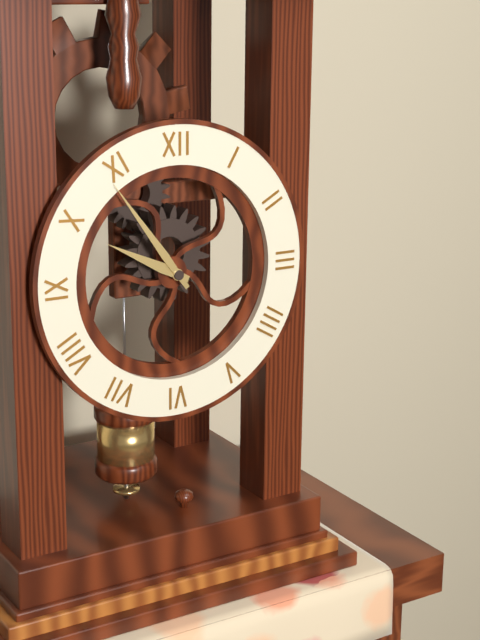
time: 9:54
